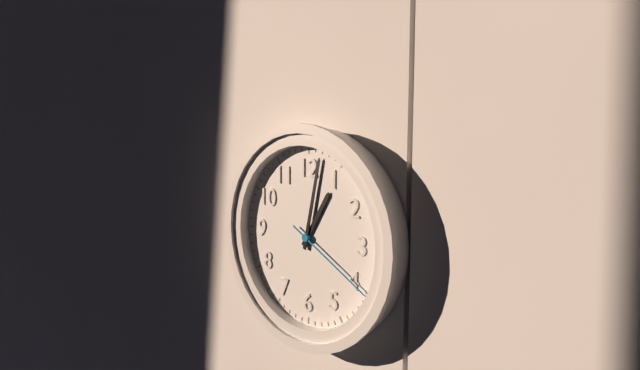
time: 1:02:20
